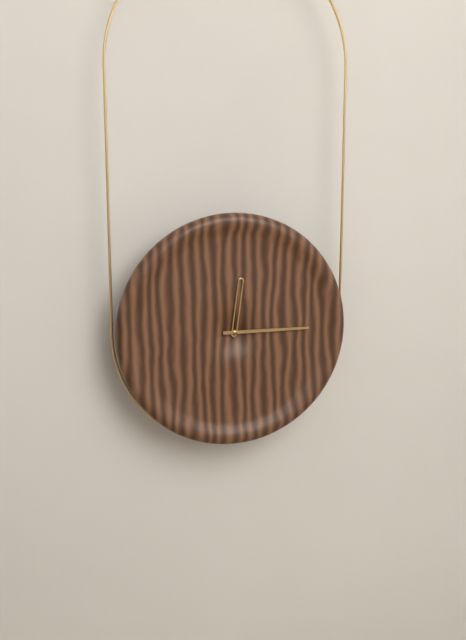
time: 12:15
